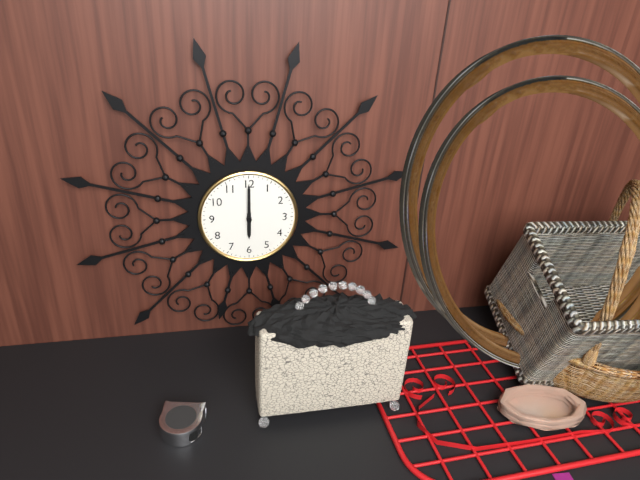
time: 6:00
